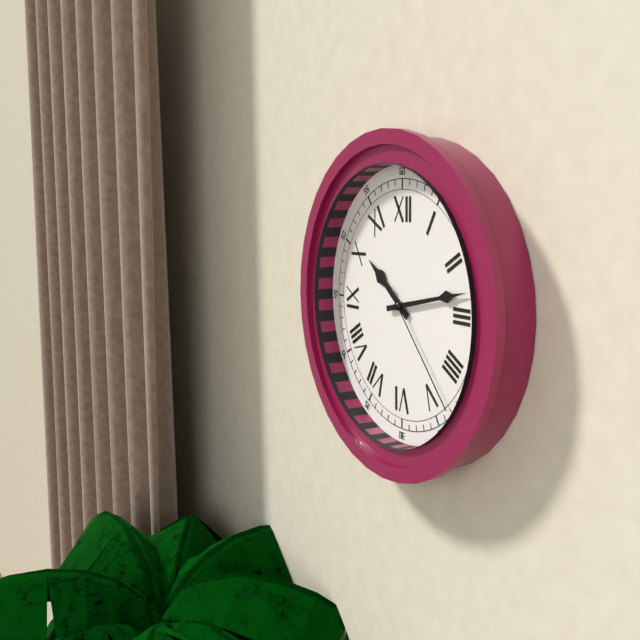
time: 10:13:23
